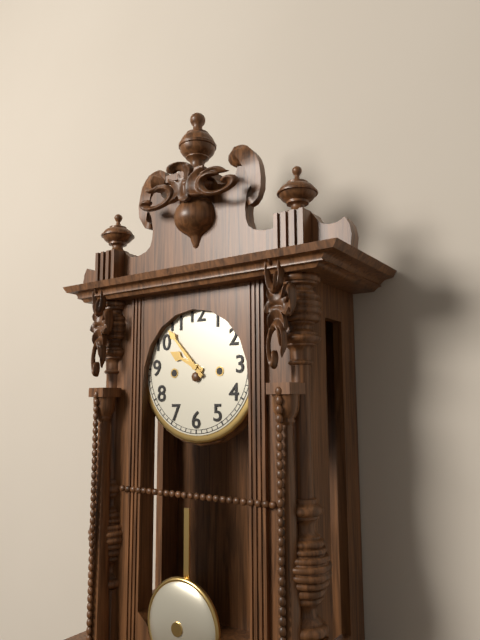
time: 9:53
